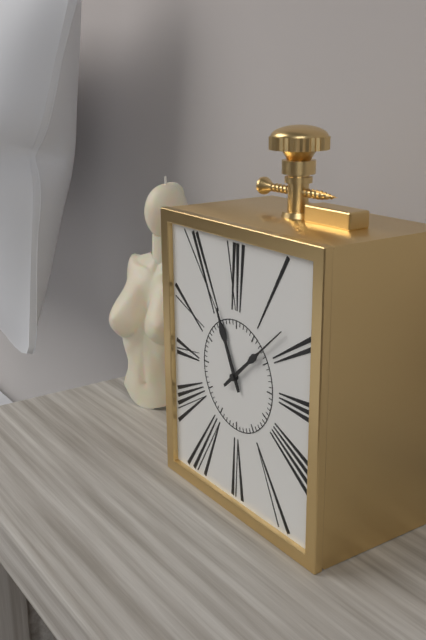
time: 11:08
